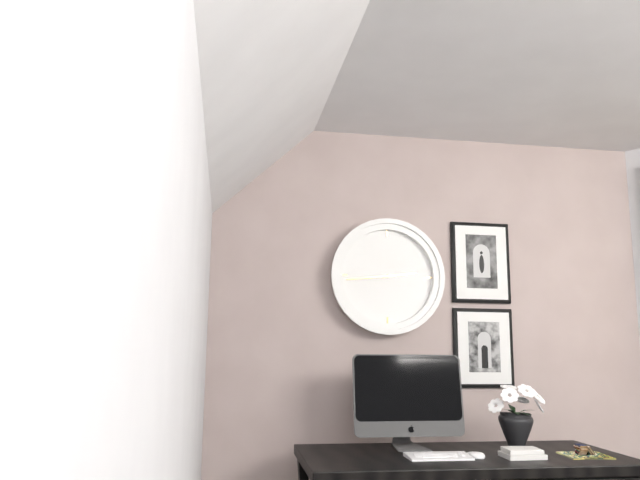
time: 2:44
